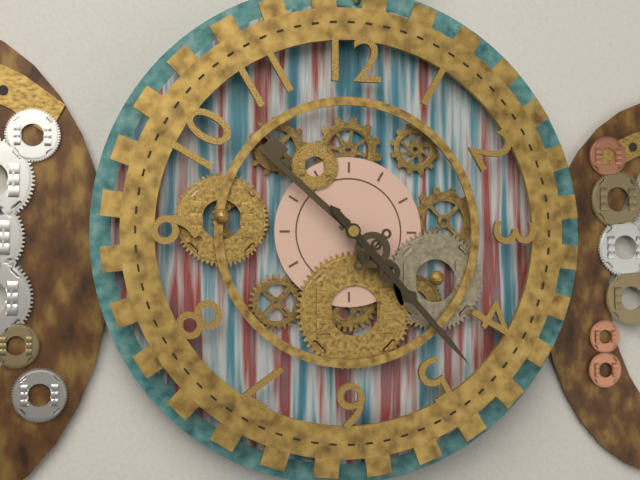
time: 10:23
